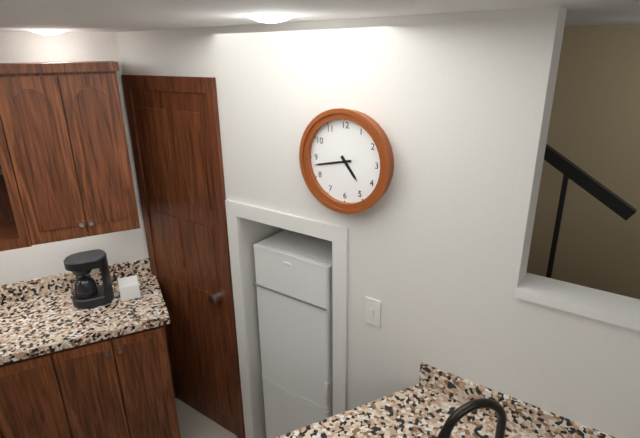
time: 4:43
